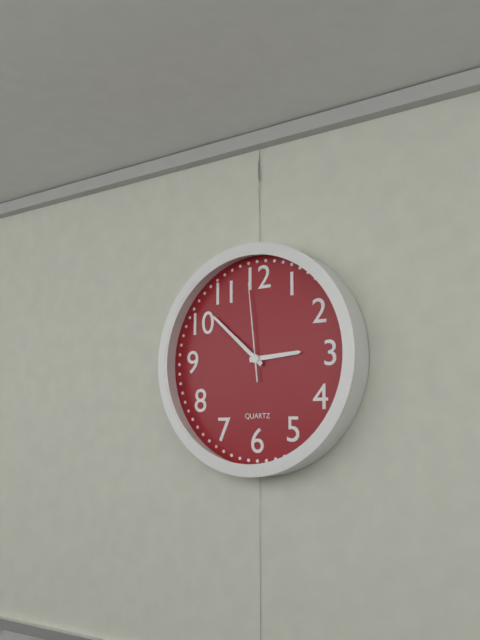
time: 2:52:59
